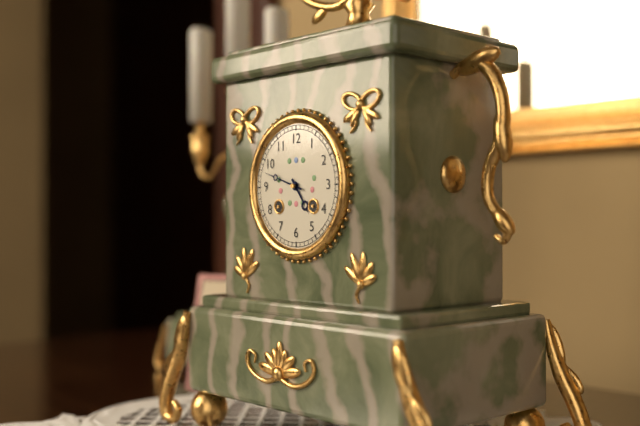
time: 4:48
